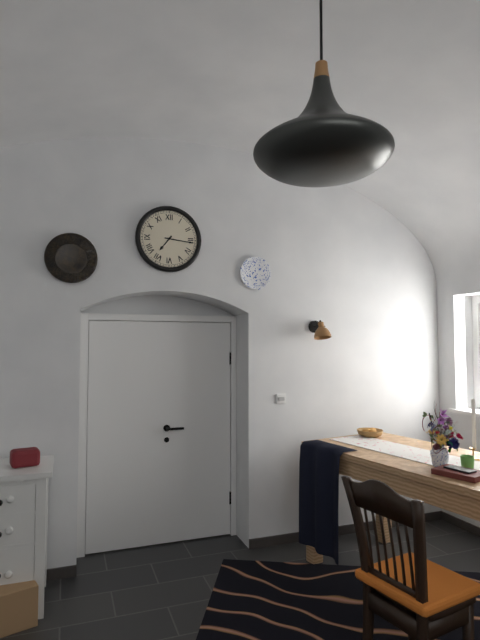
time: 7:16
